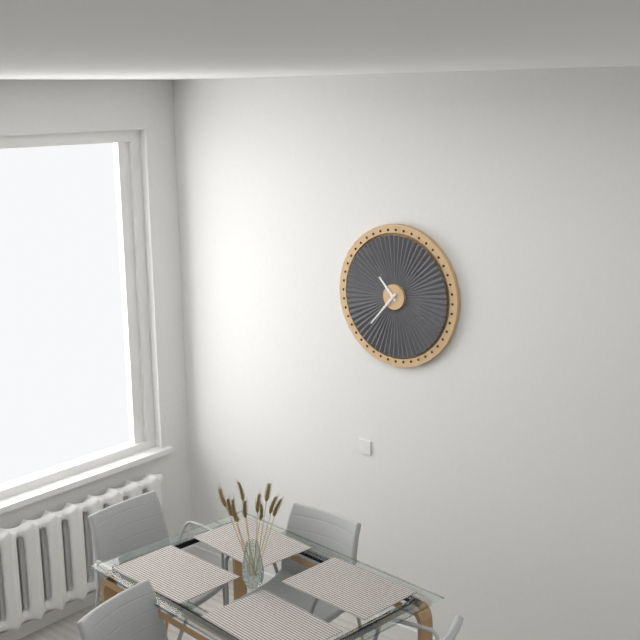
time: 10:37
